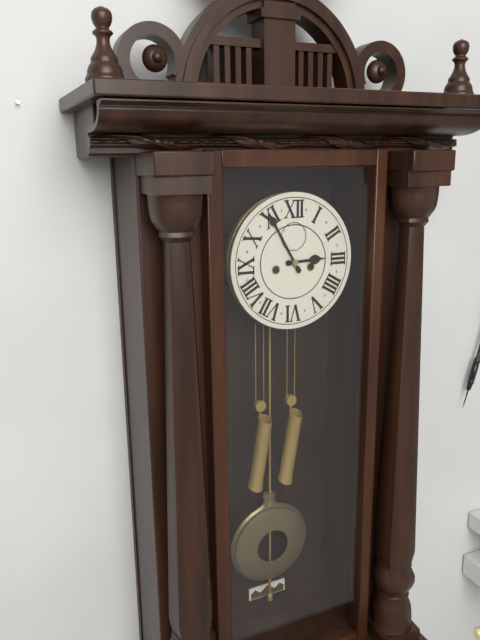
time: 2:55
